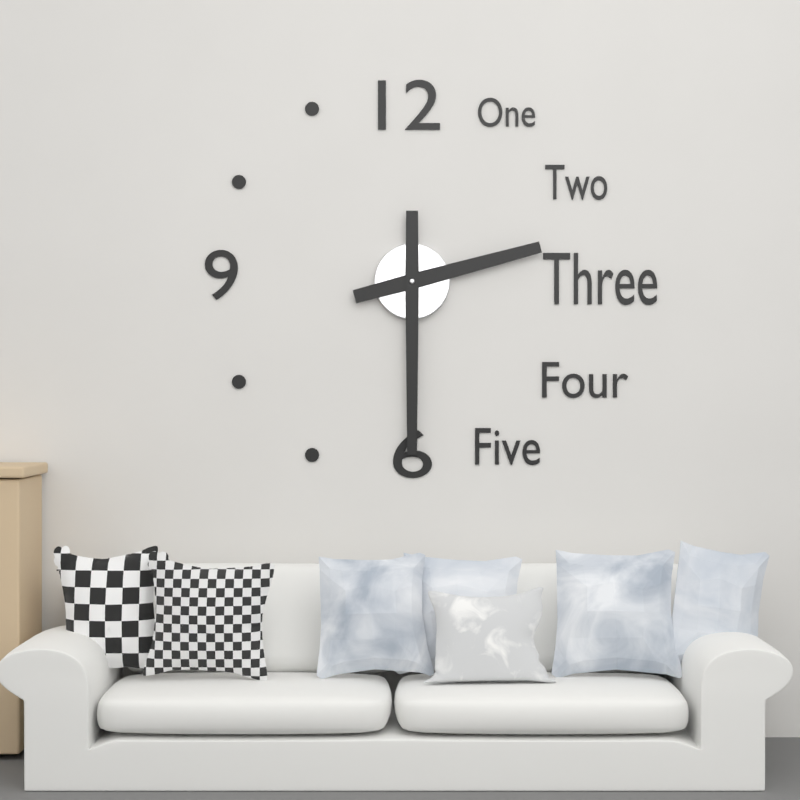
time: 2:30
